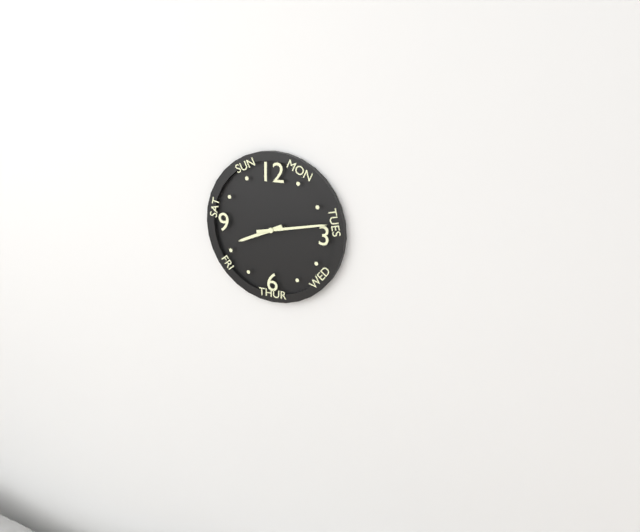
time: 8:13
